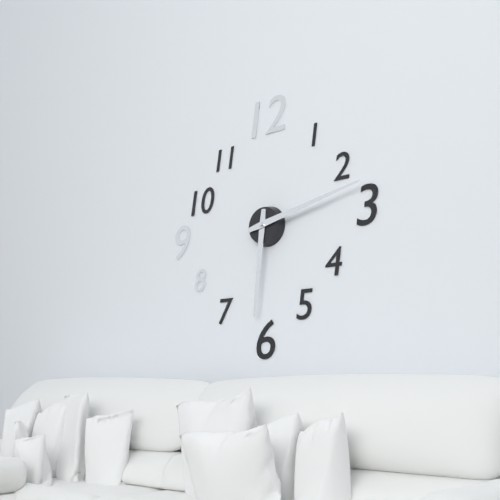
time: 6:13
